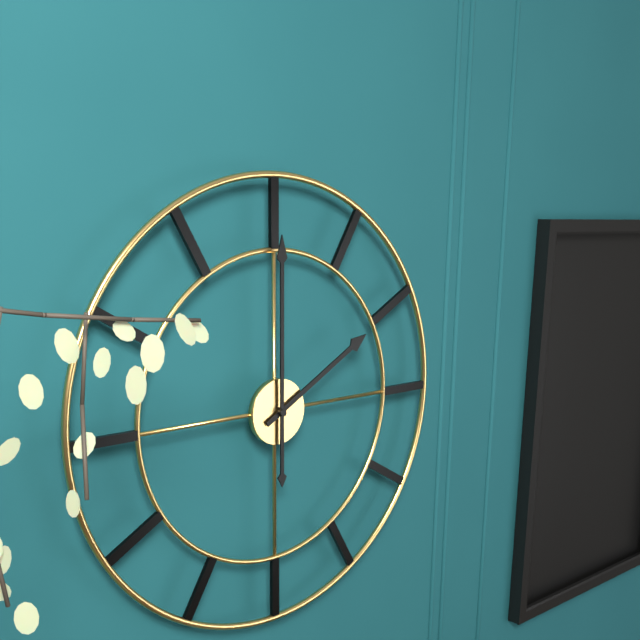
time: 2:00
